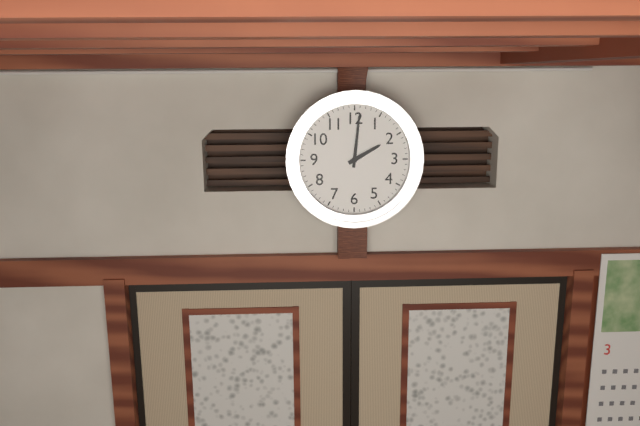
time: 2:01
